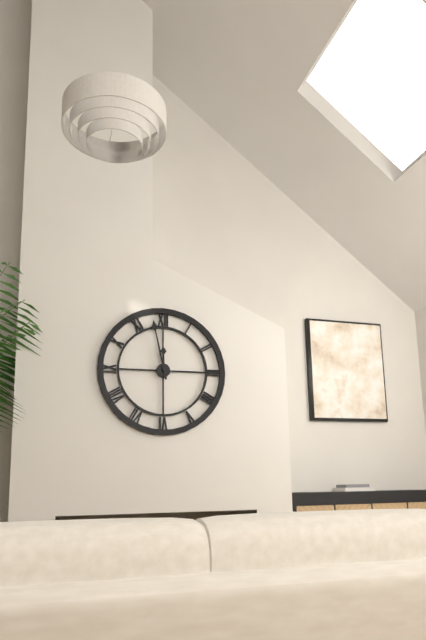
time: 11:58
